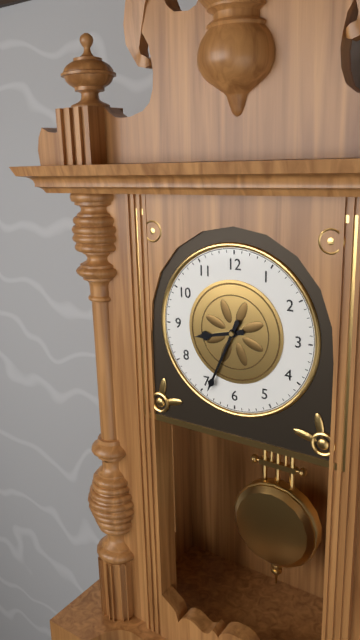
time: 8:34
